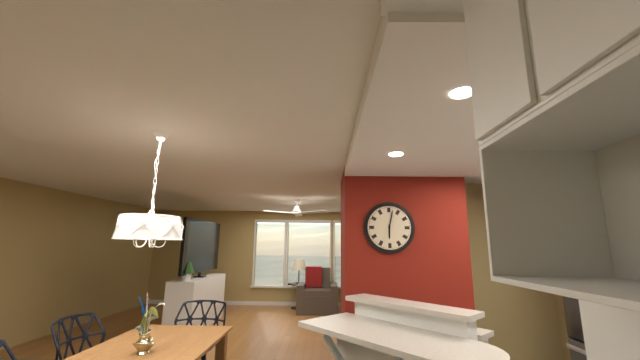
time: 6:02
